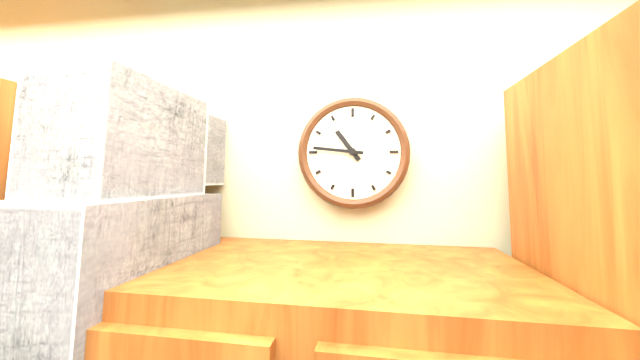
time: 10:46
